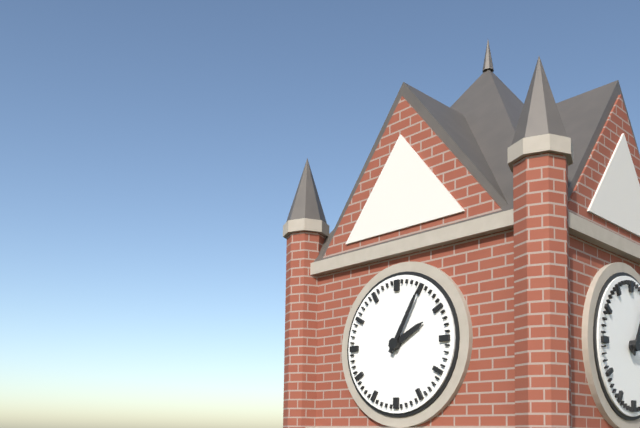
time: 2:05
